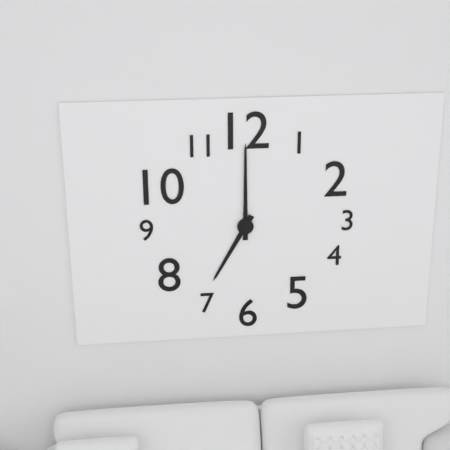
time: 7:00
